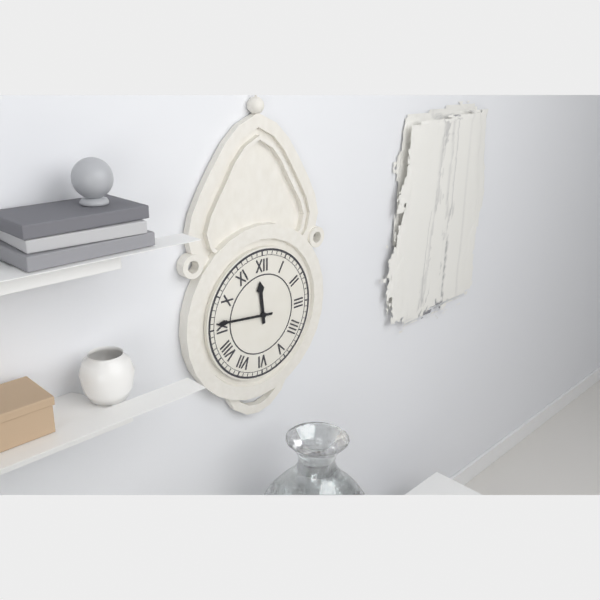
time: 11:46
